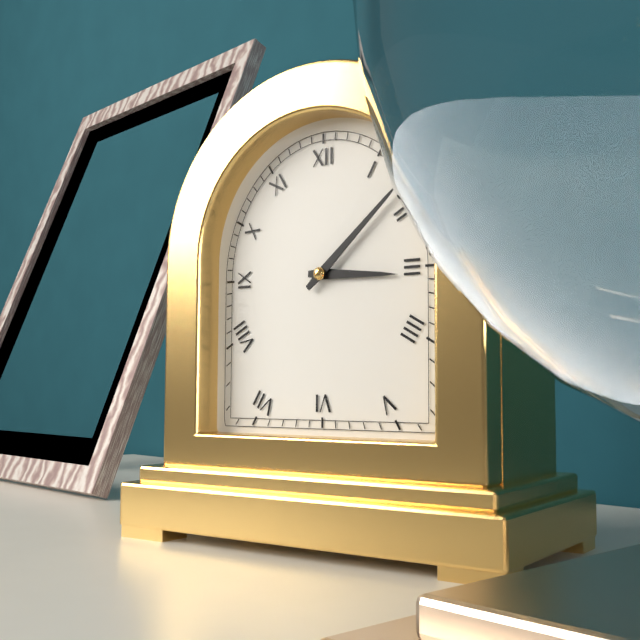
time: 3:08
